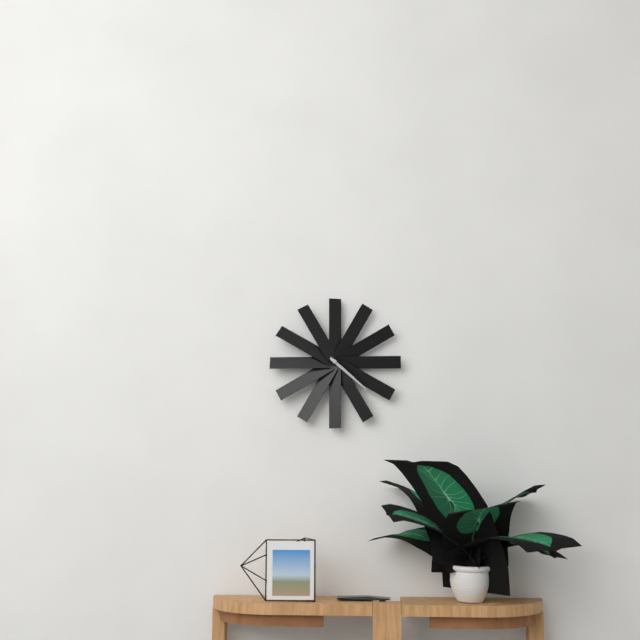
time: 4:22
